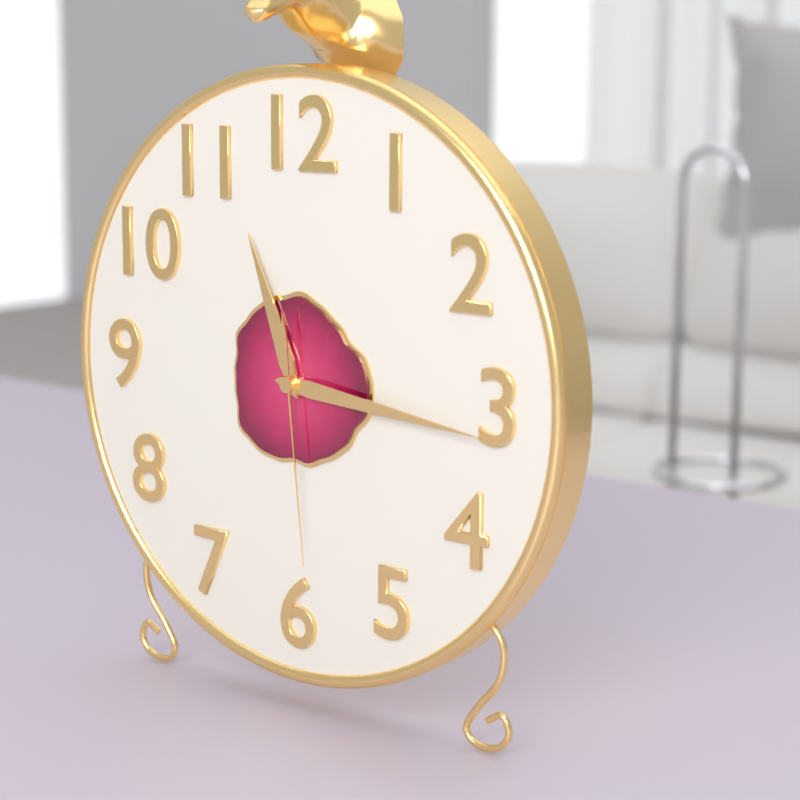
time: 11:16:29
